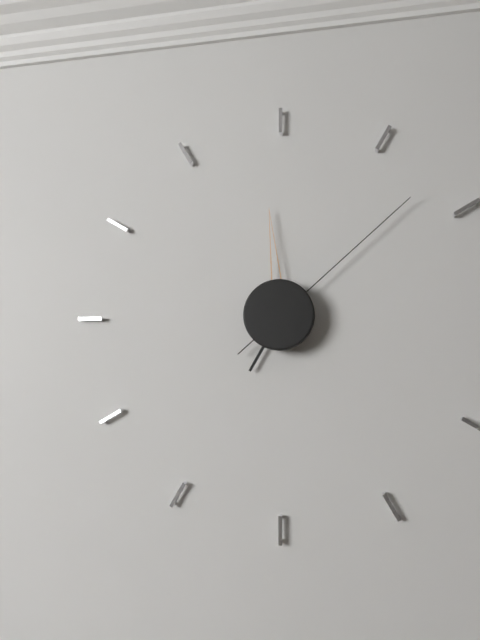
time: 6:59:08
